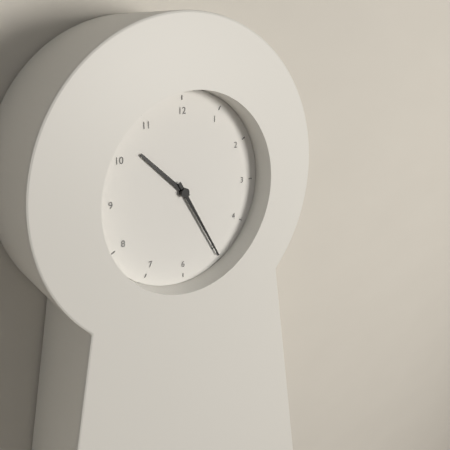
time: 10:25
